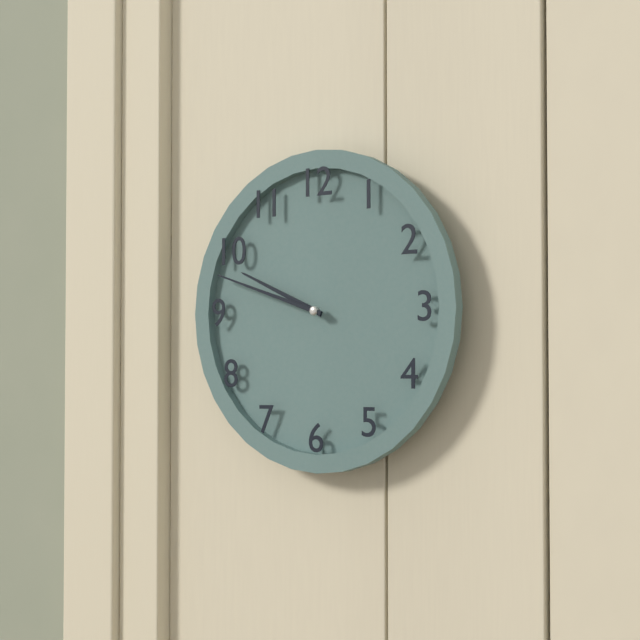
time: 9:48
